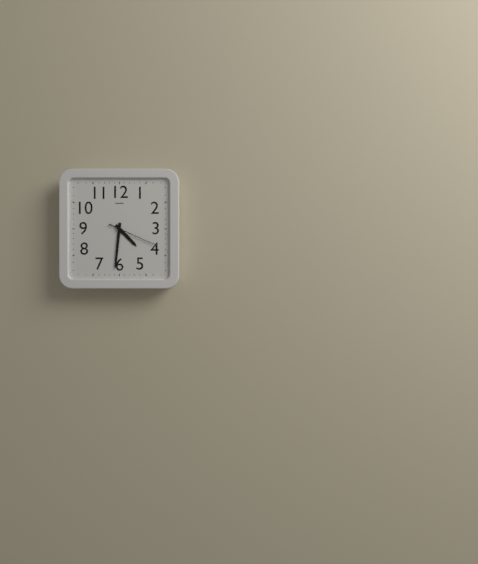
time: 4:31:19
